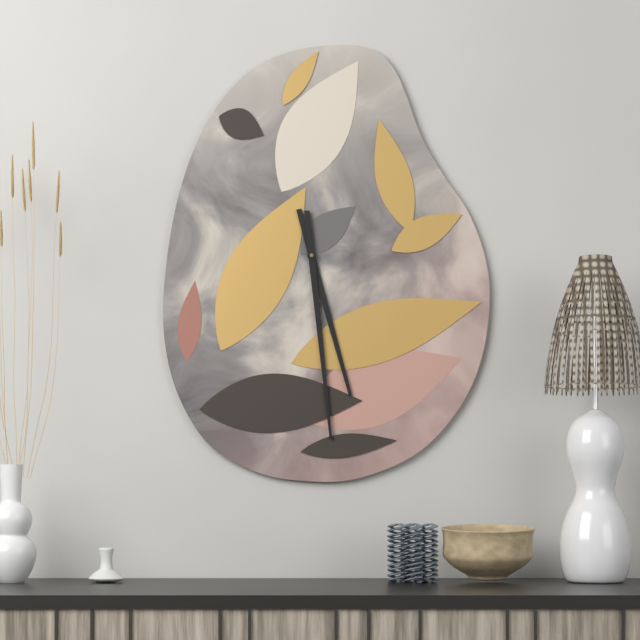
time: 5:29
